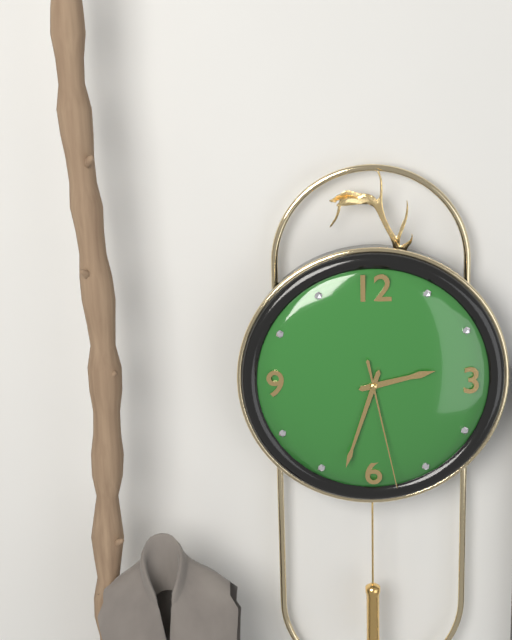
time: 2:33:28
